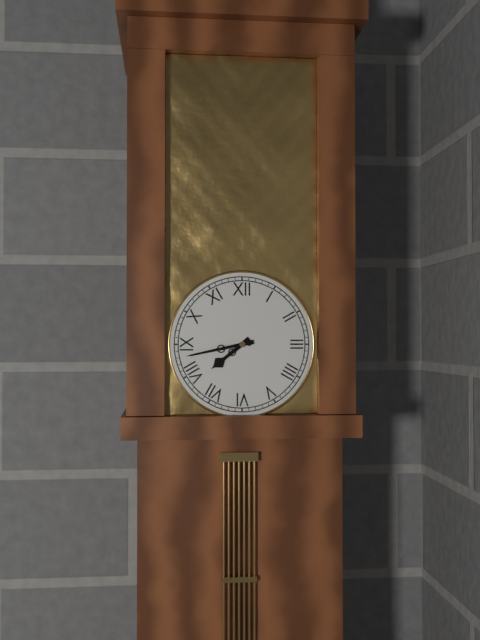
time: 7:43
